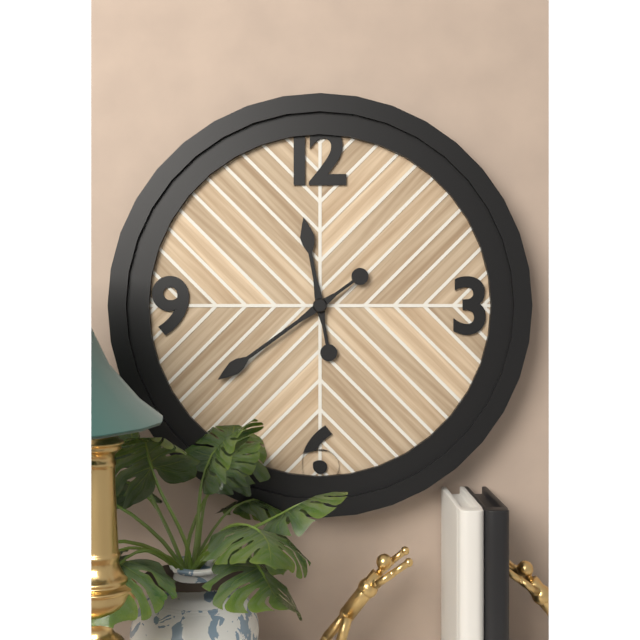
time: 11:39
